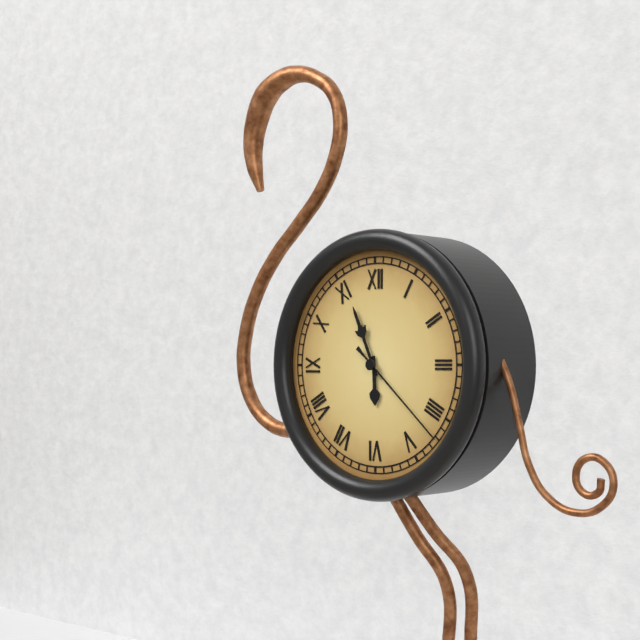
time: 5:56:22
